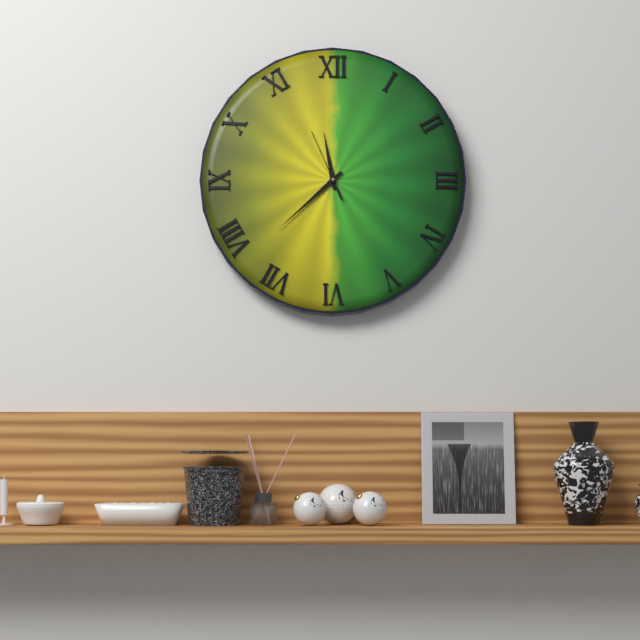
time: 11:38:56
